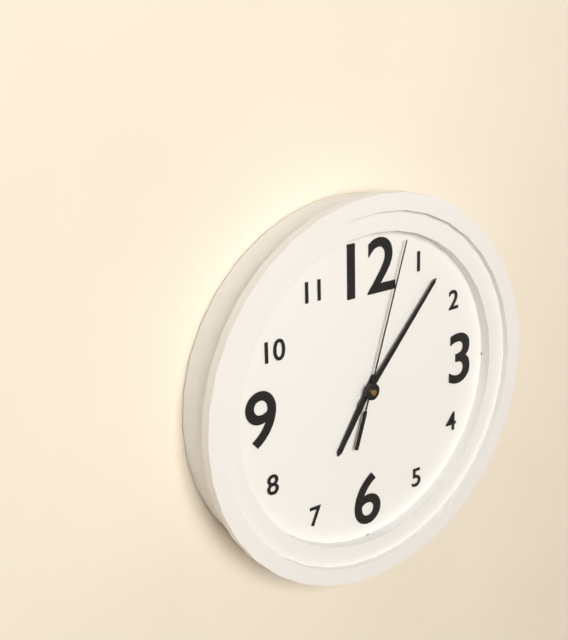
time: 7:07:03
